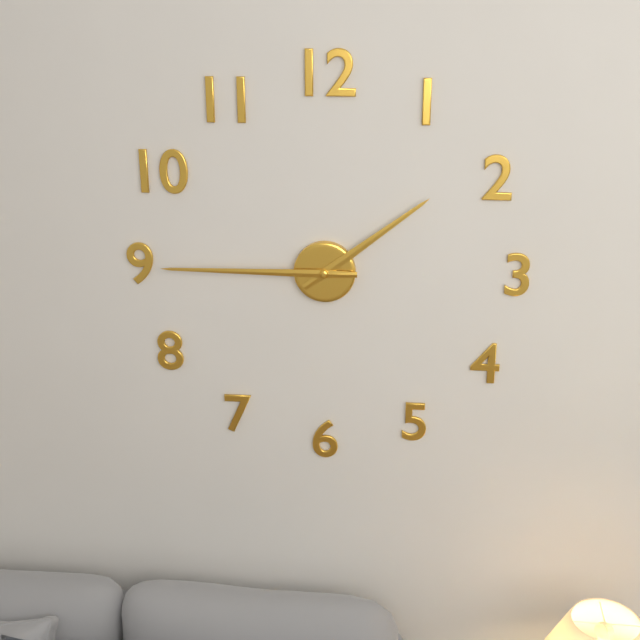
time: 1:45
